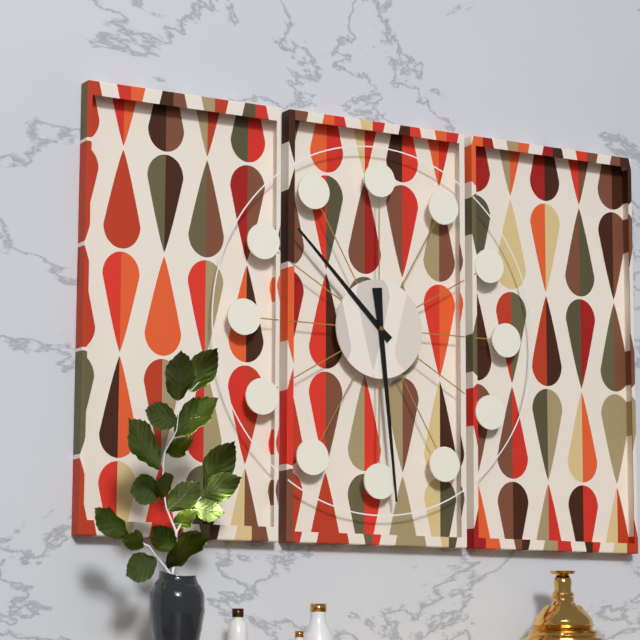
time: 10:29
